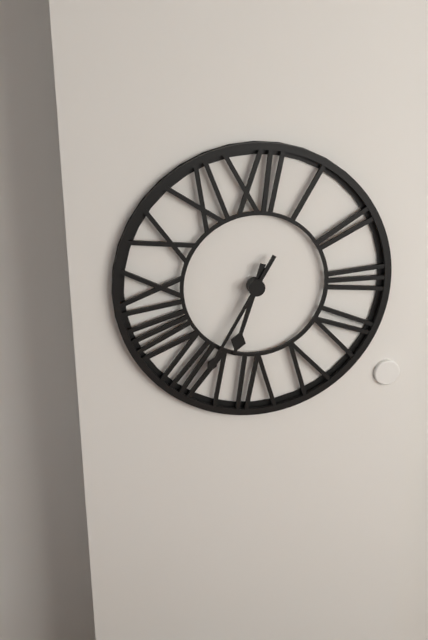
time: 6:35
